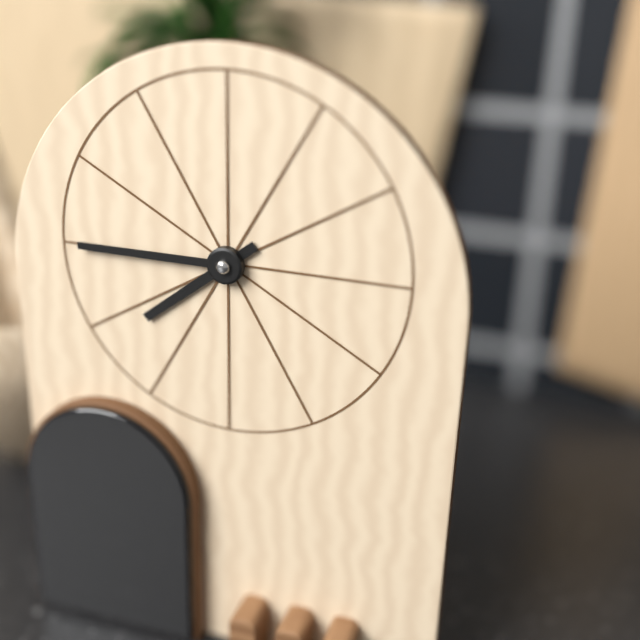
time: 7:45
